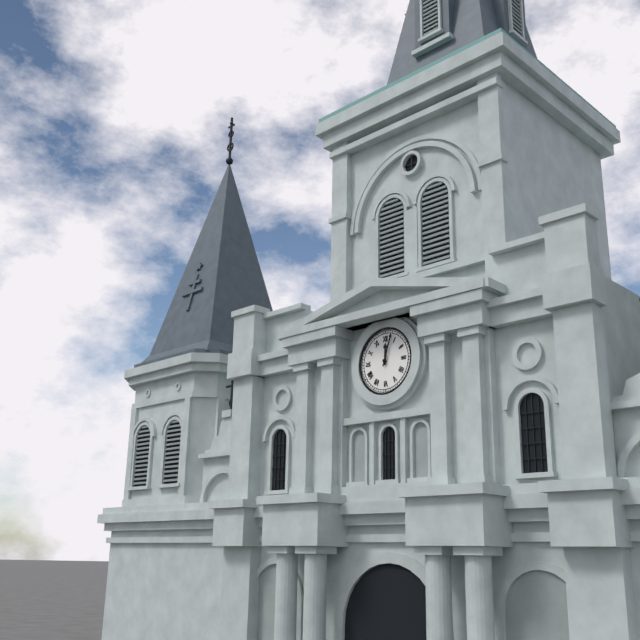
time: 12:03
